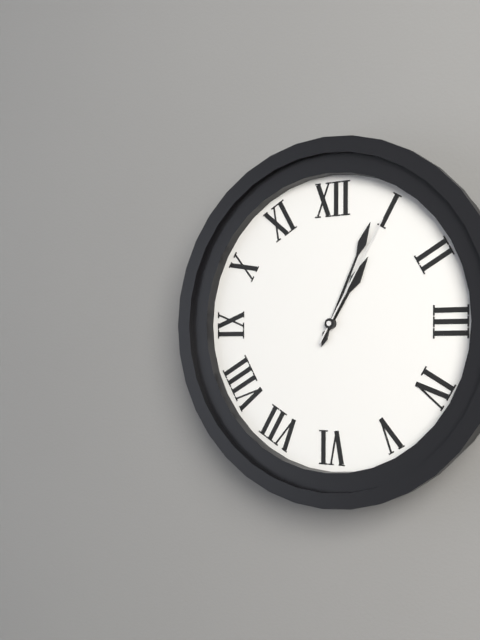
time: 1:04:05
